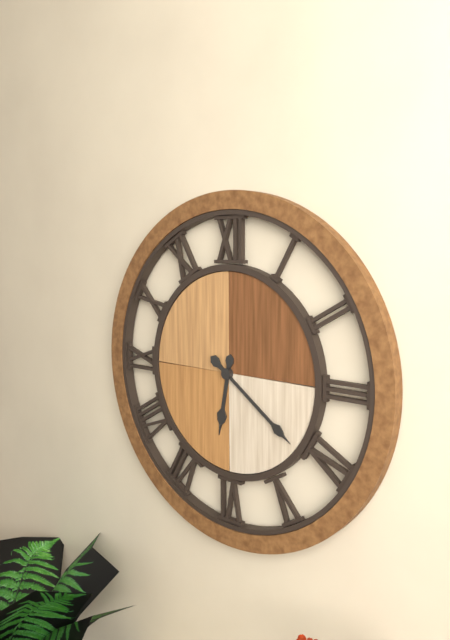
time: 6:21
